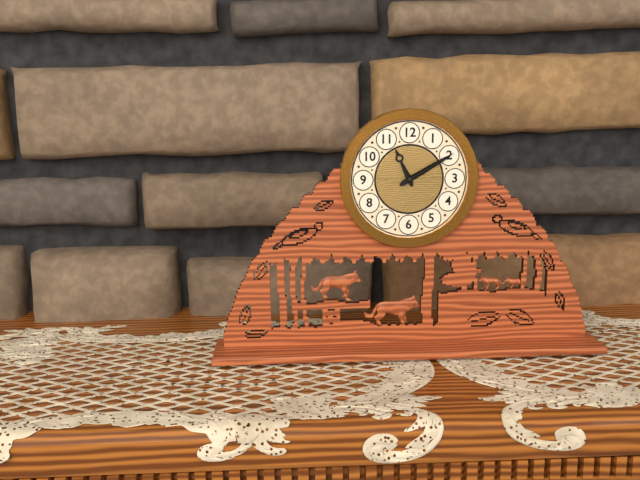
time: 11:10
